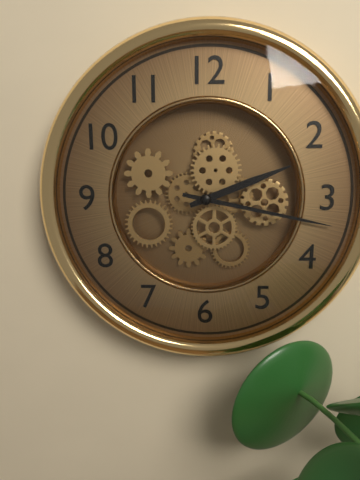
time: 2:17
